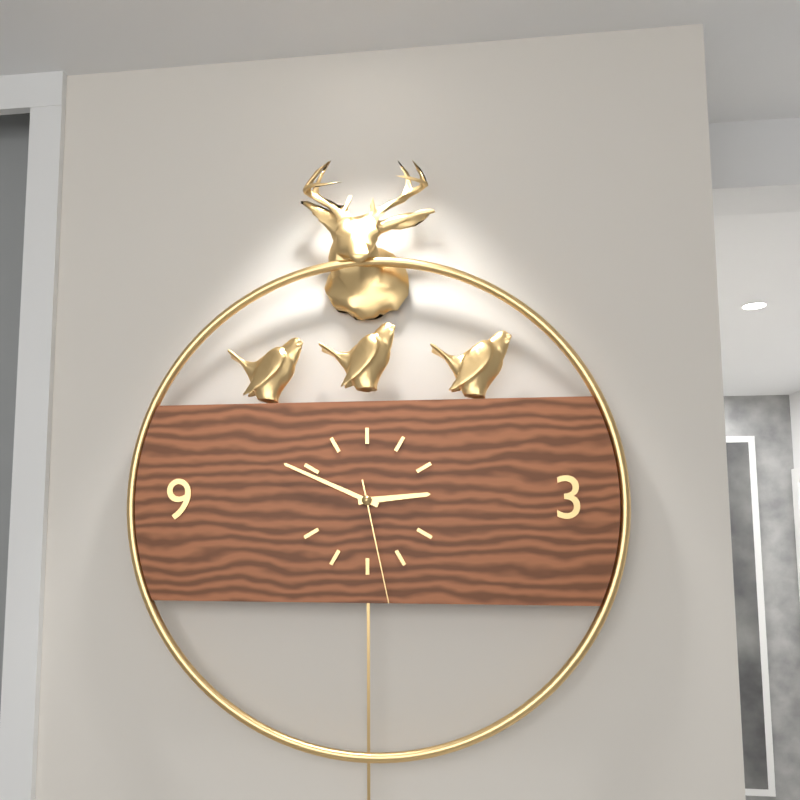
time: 2:49:28
